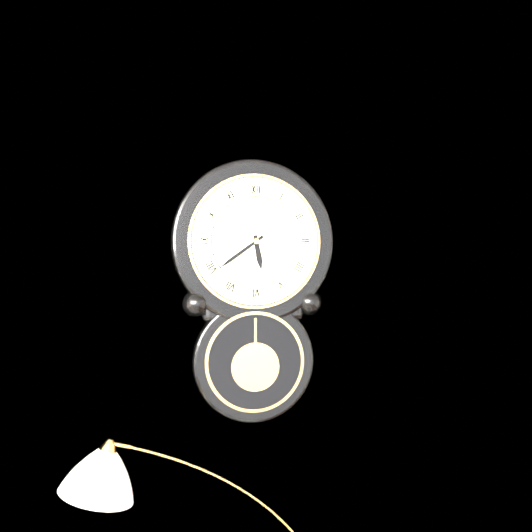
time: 5:39
